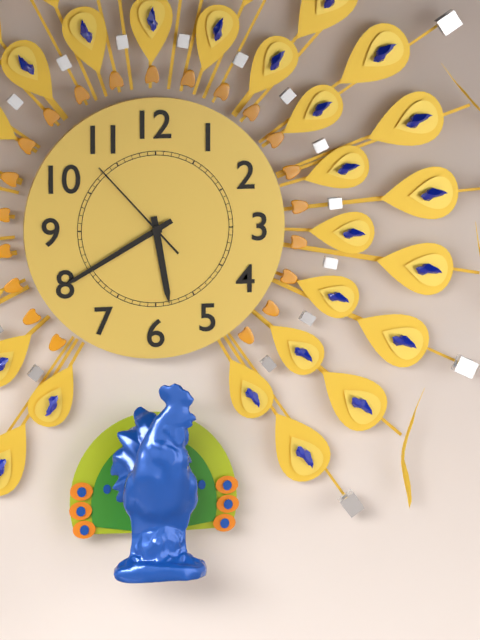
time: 5:40:53
